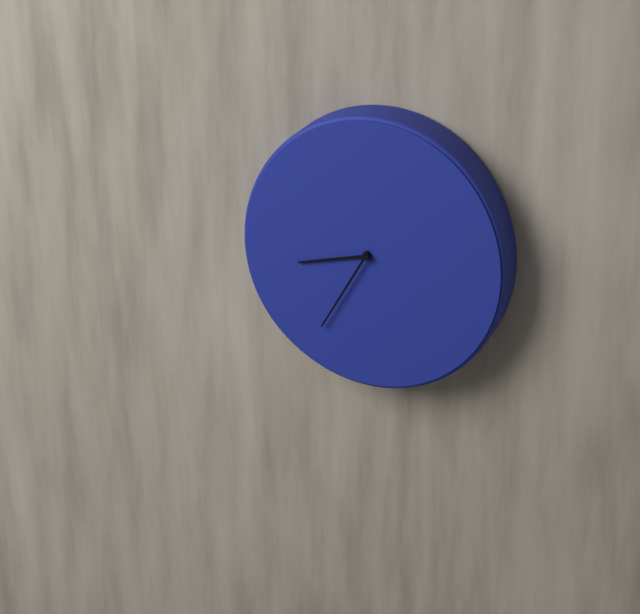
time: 8:35
